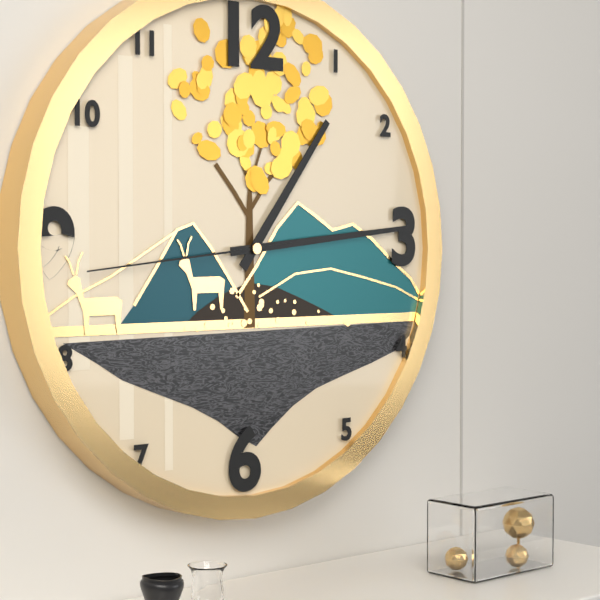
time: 1:14:44
